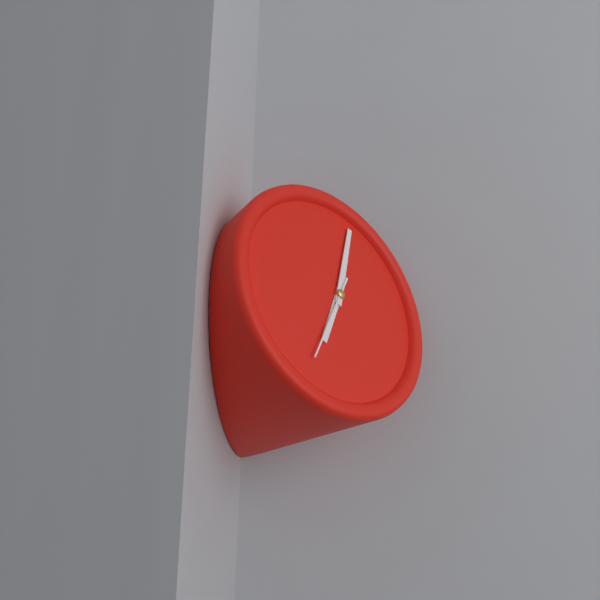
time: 7:04:36
